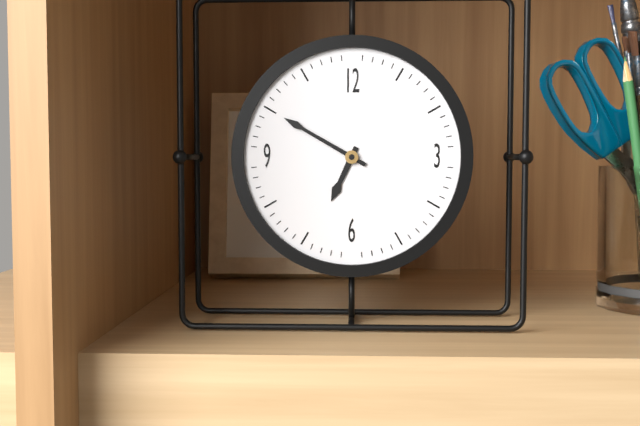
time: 6:50
